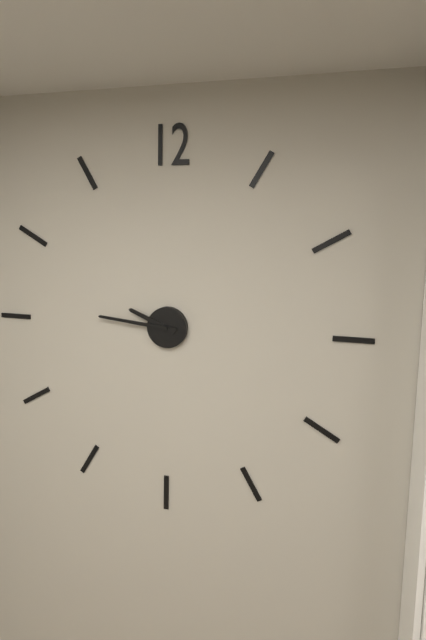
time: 9:46
